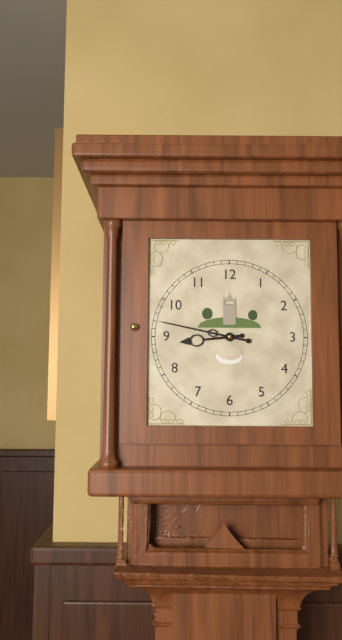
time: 8:47
